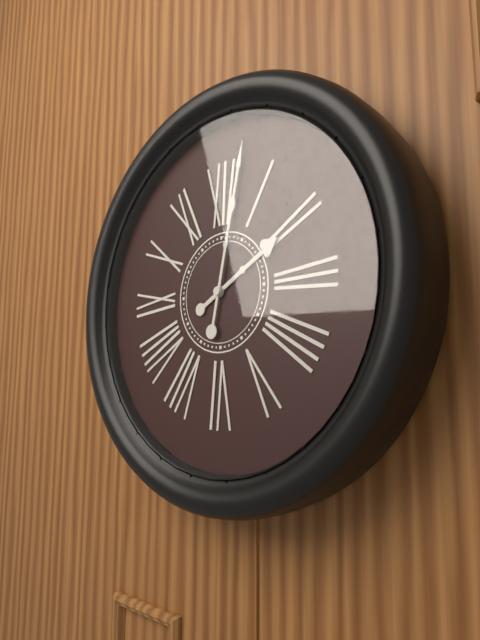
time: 2:02
